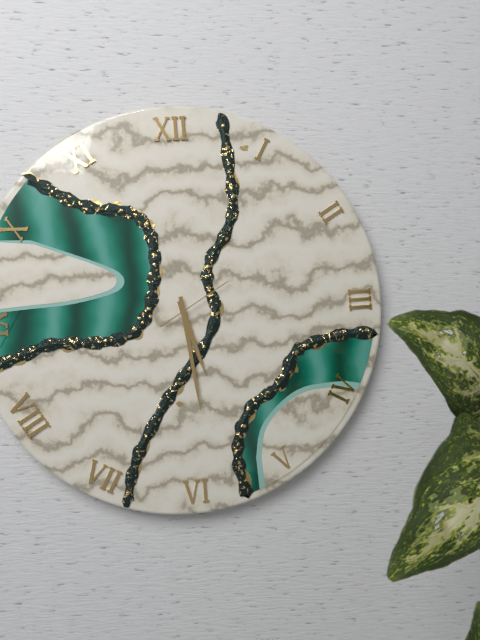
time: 5:29:10
